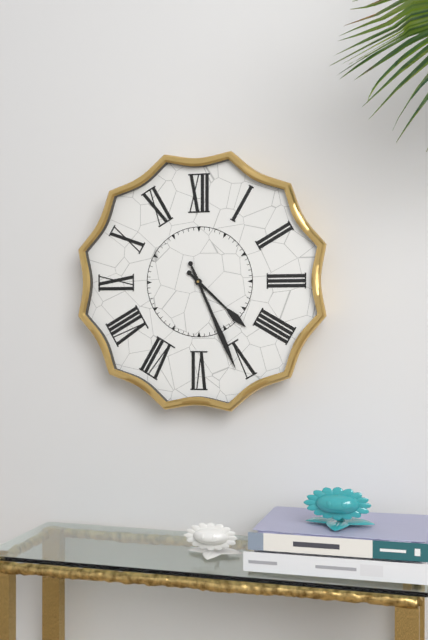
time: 4:26
